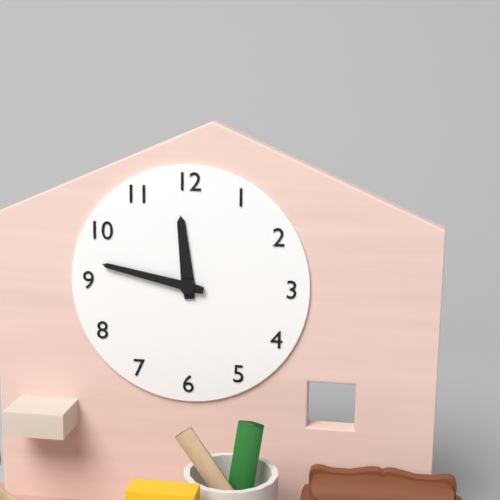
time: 11:47
